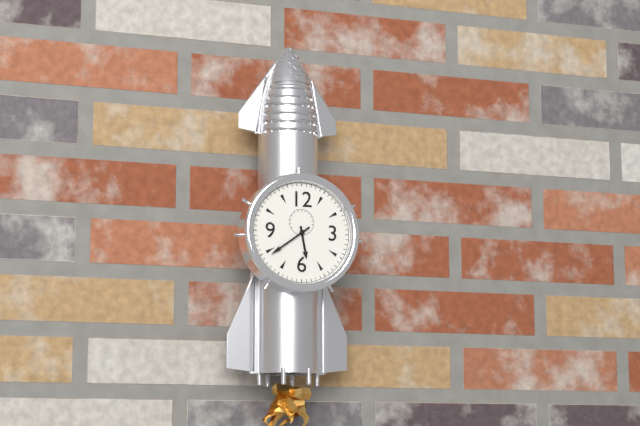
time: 5:39
